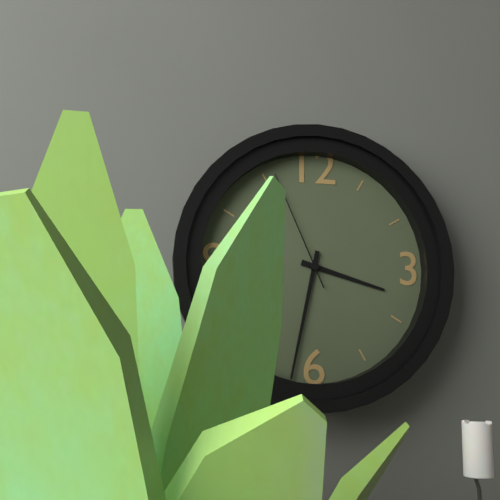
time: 3:32:56
